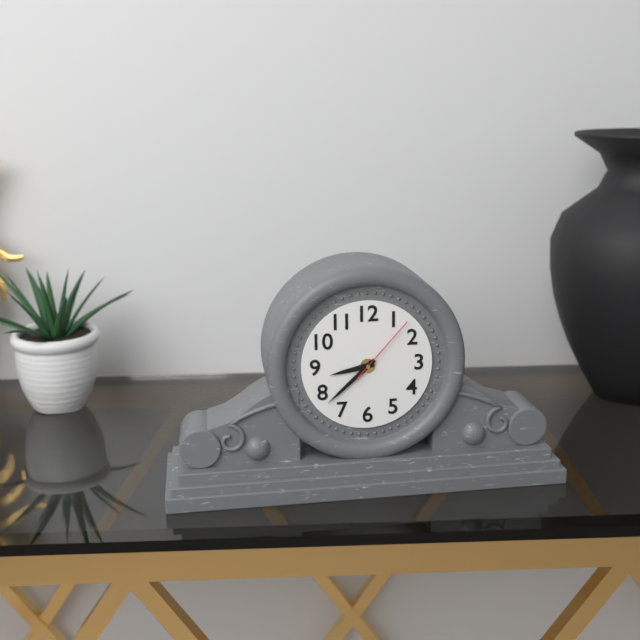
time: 8:38:07
